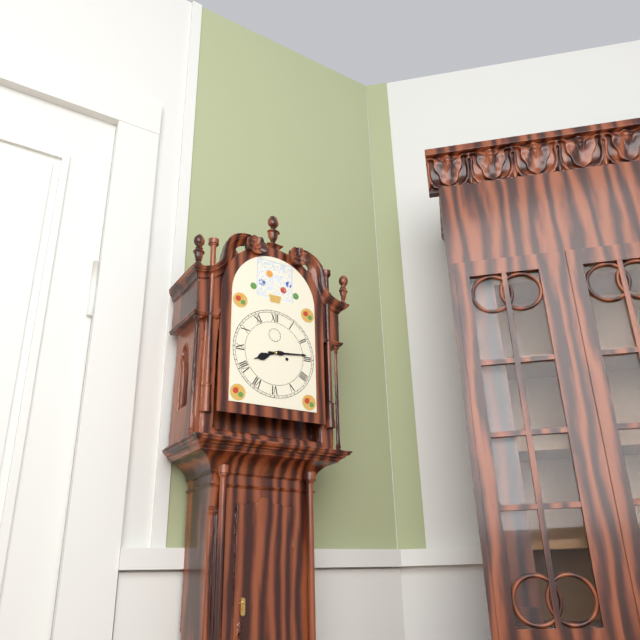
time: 8:14
